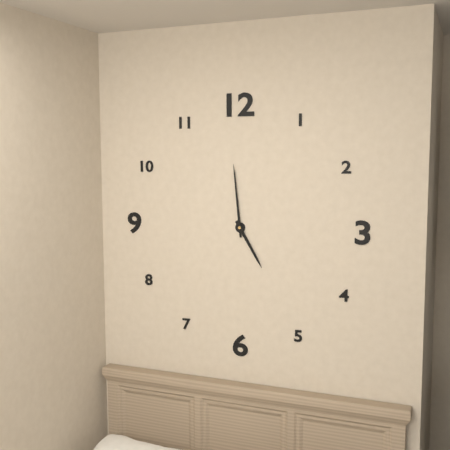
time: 4:59
